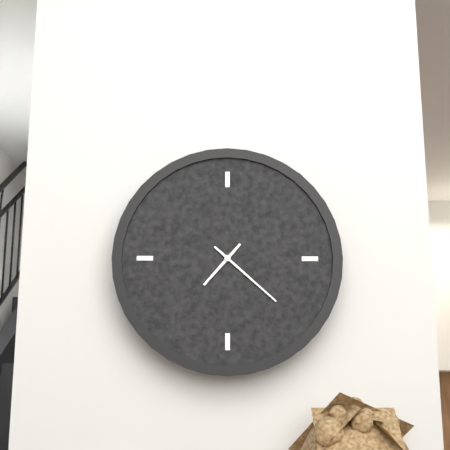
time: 7:22
